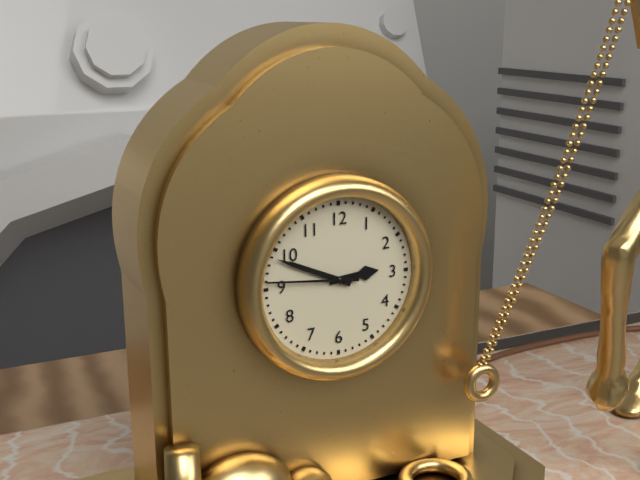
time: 2:49:46
